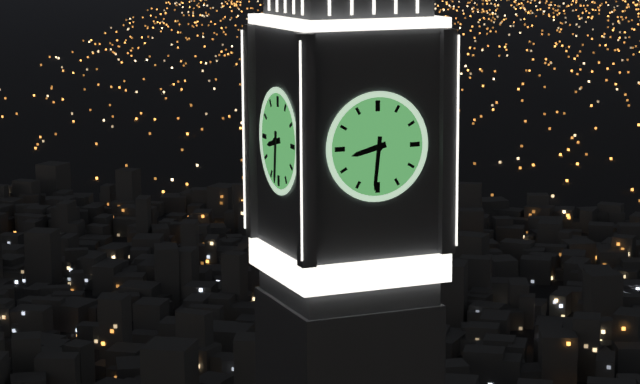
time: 8:31
